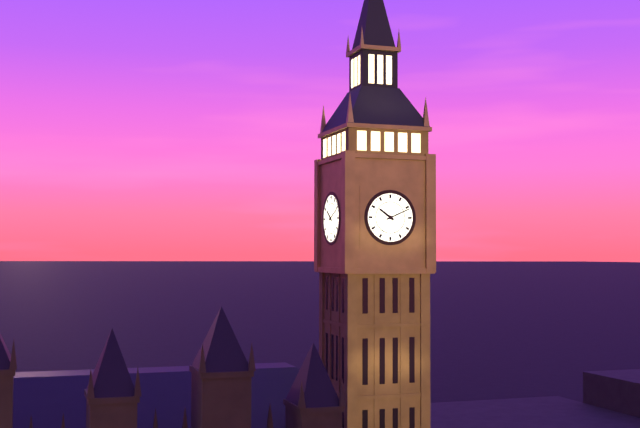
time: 10:11
